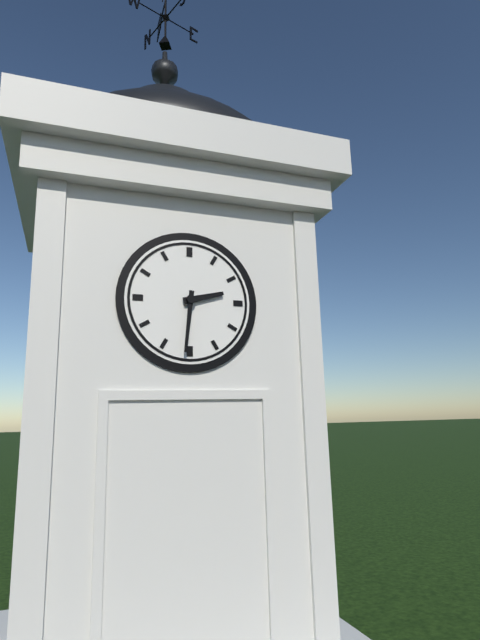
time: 2:31
